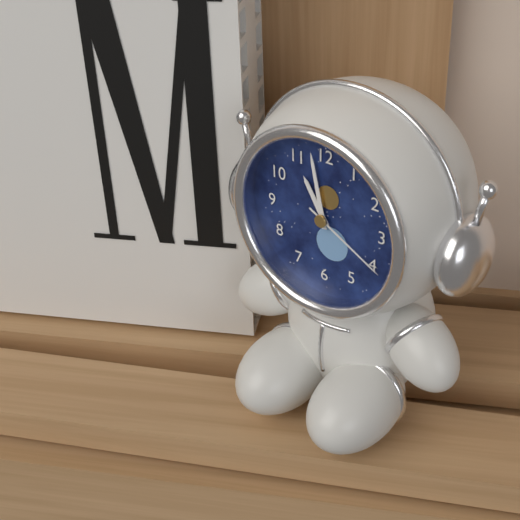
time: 10:58:20
